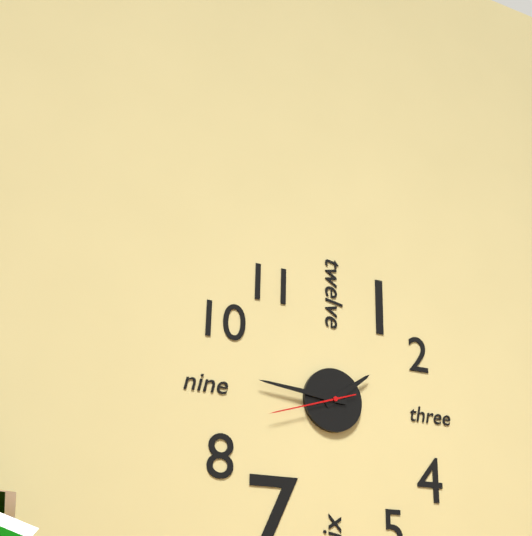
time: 1:46:42
